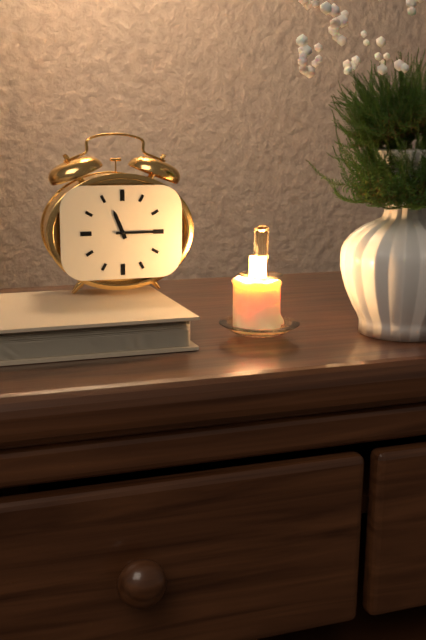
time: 11:15
